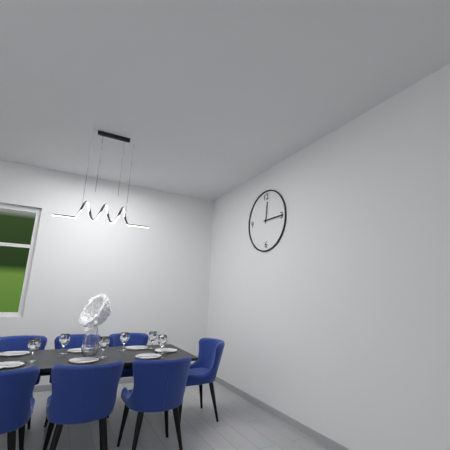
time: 12:15
